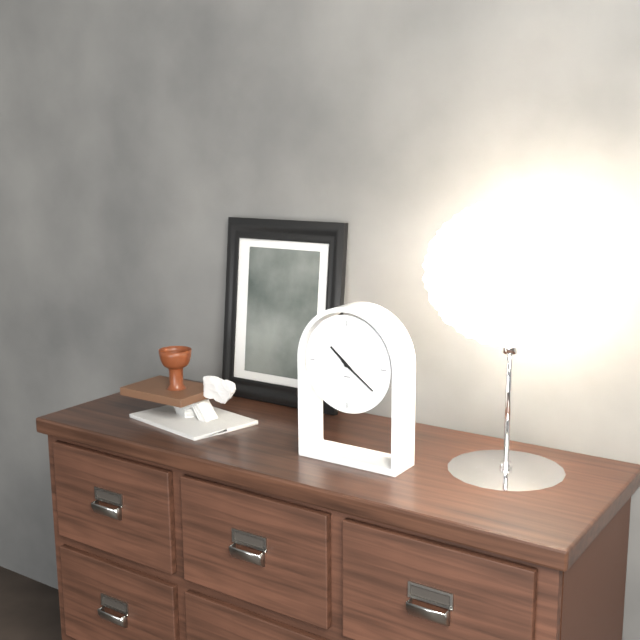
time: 10:21
